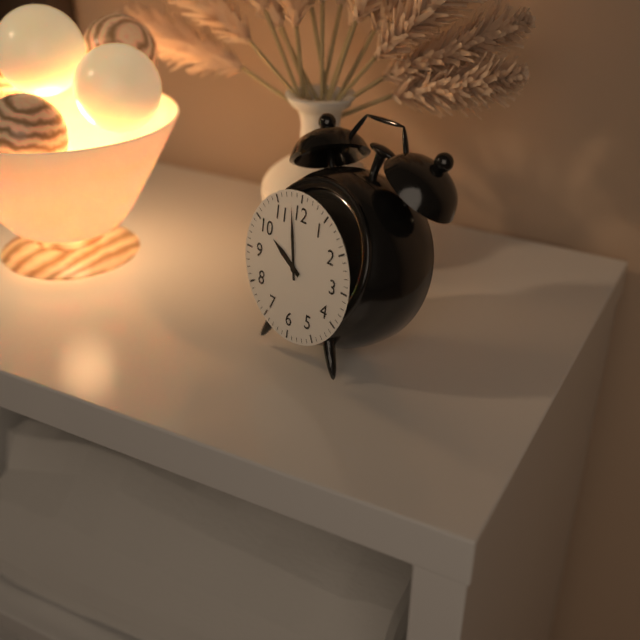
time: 9:58
